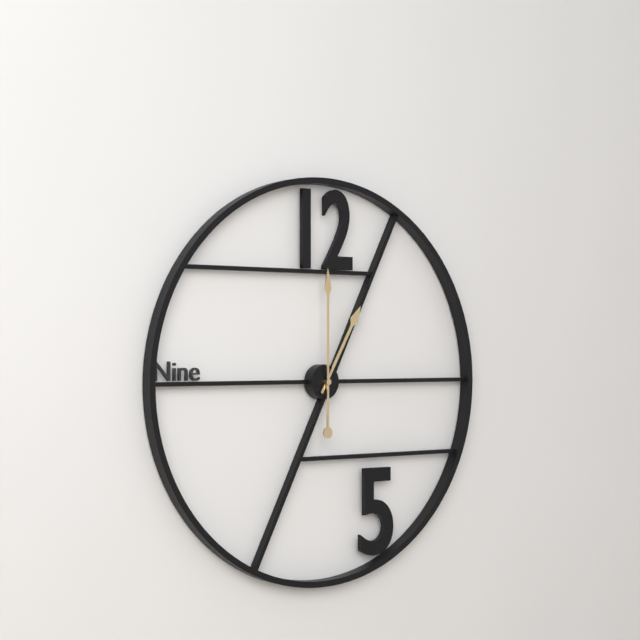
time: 1:00
